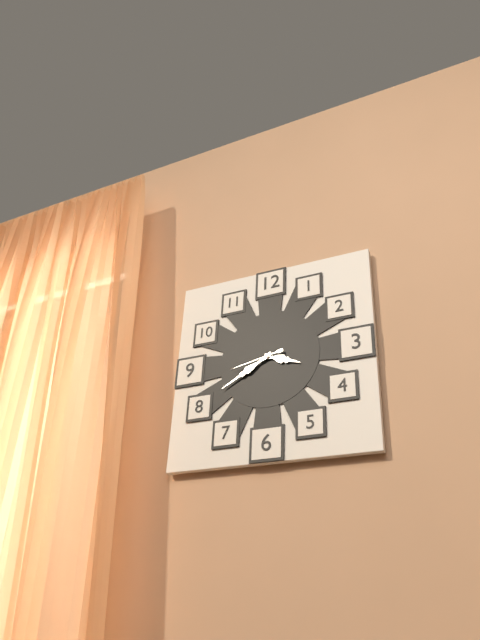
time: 3:40:43
